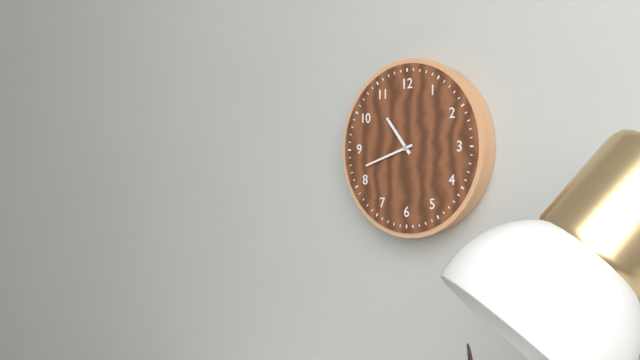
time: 10:42
